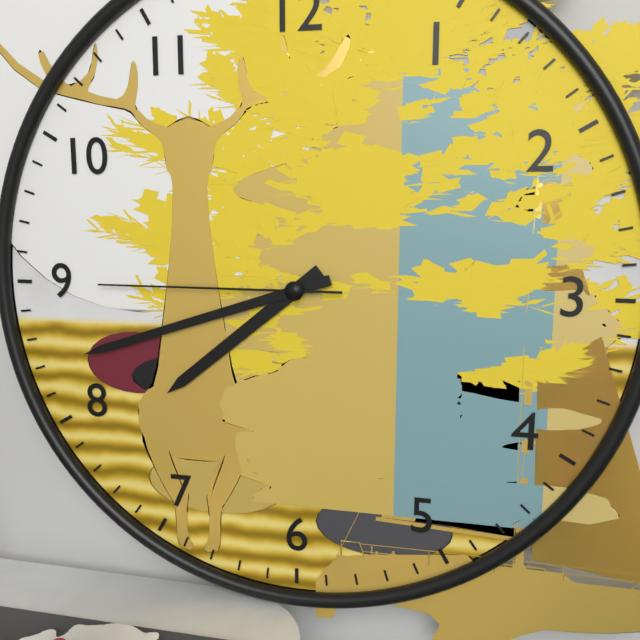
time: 7:42:45
